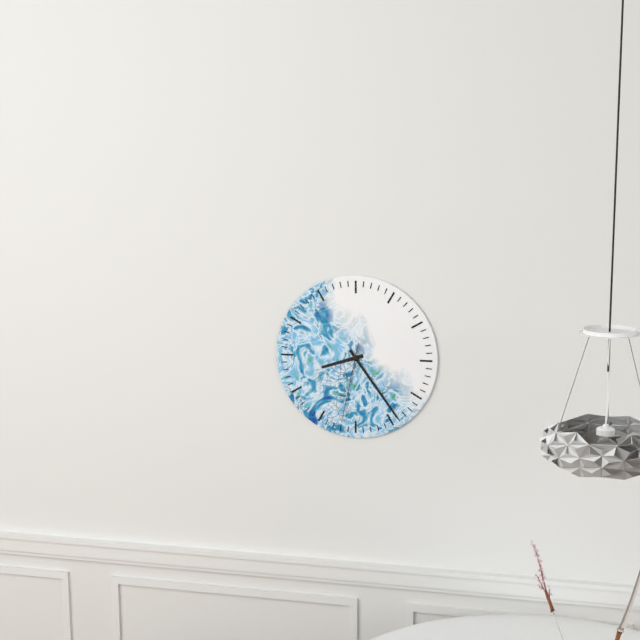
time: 8:24:32
